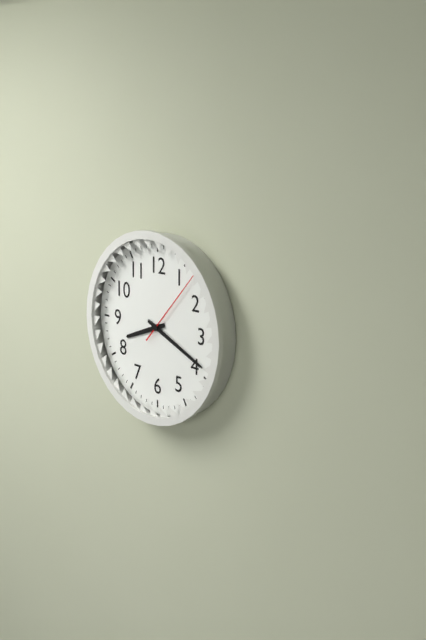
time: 8:19:07
